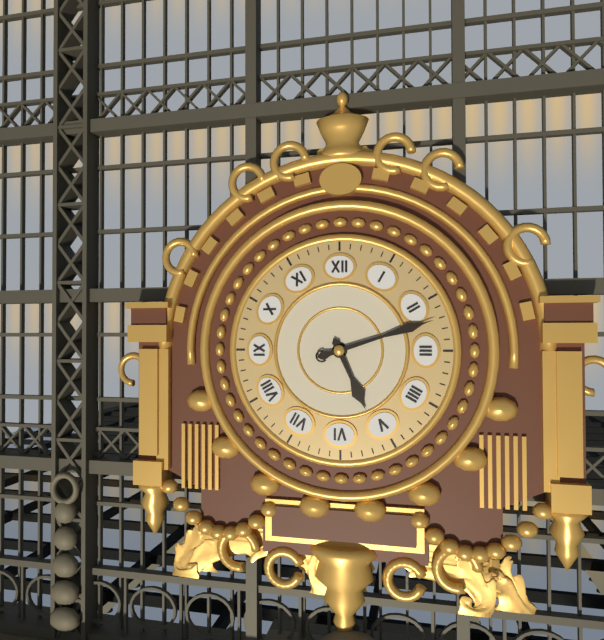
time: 5:12
